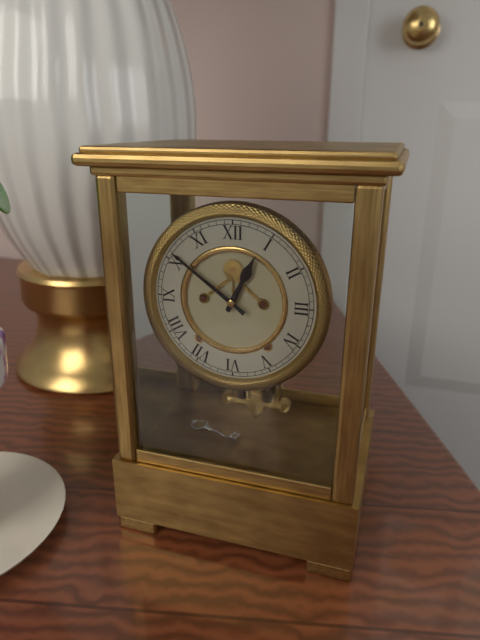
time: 12:51
